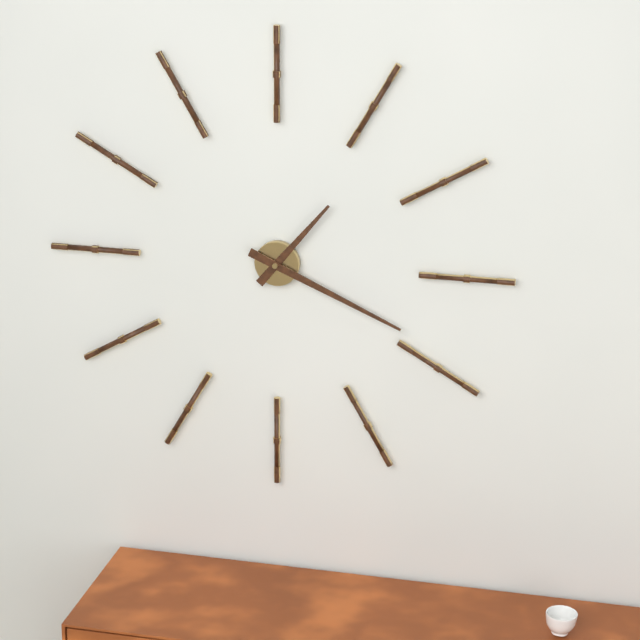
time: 1:19
